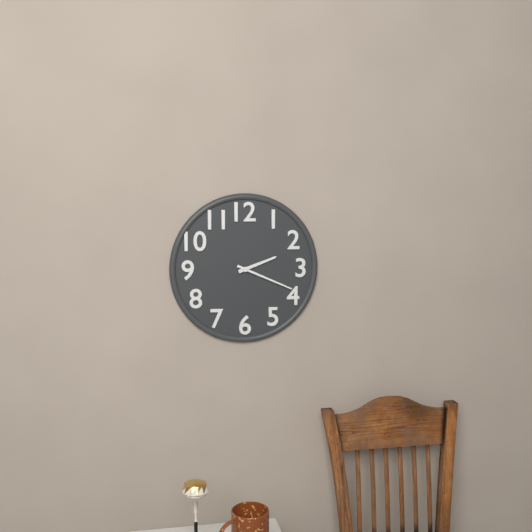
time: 2:19
